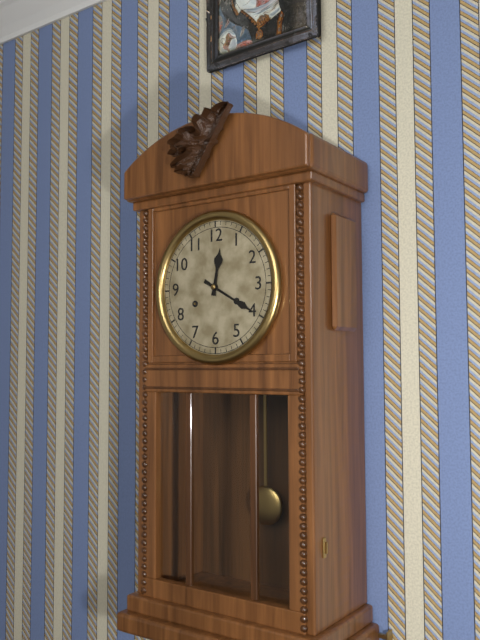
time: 12:20
